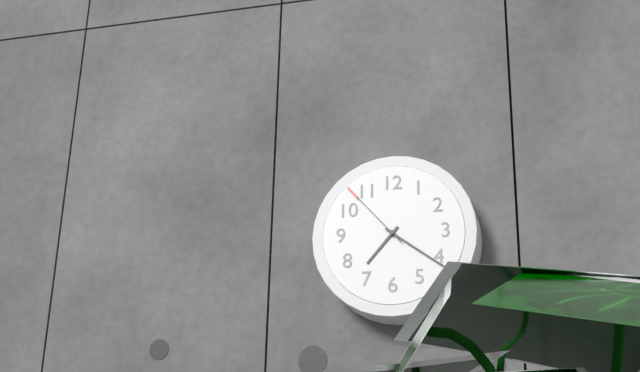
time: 7:21:53
